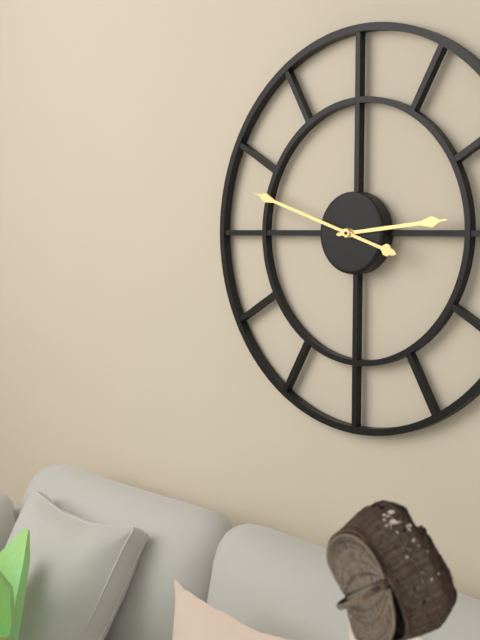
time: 2:48
